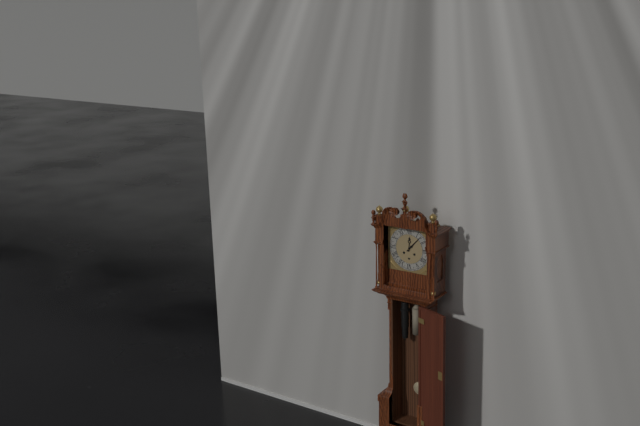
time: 12:07
